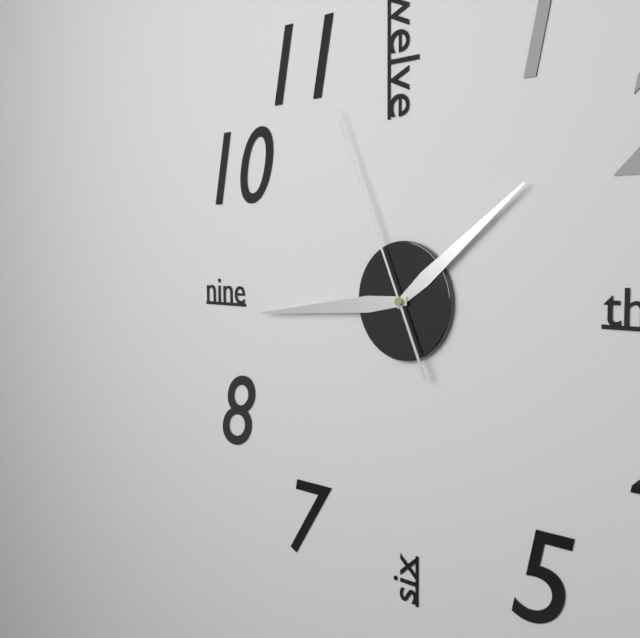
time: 1:44:56
